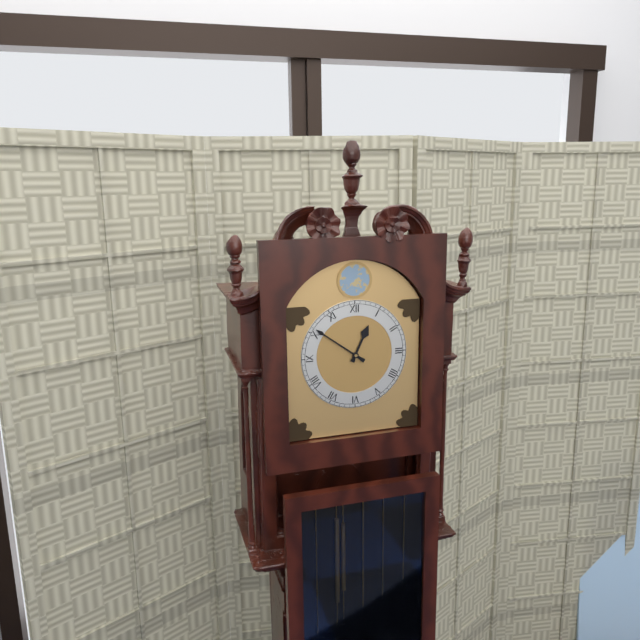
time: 12:51
